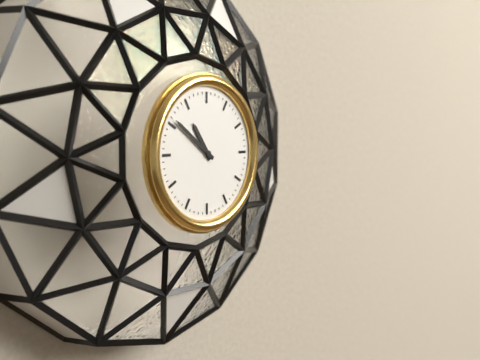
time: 10:51
